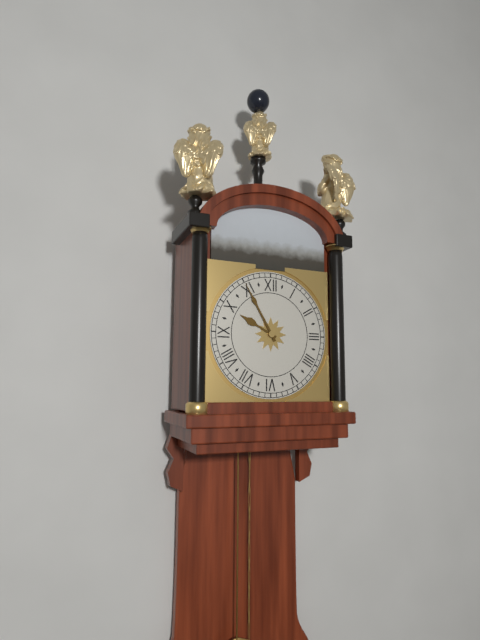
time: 9:55
